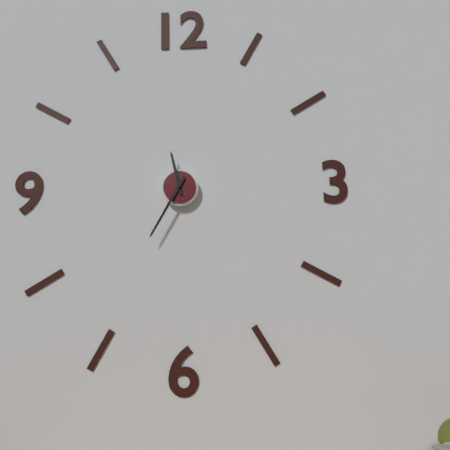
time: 11:35
